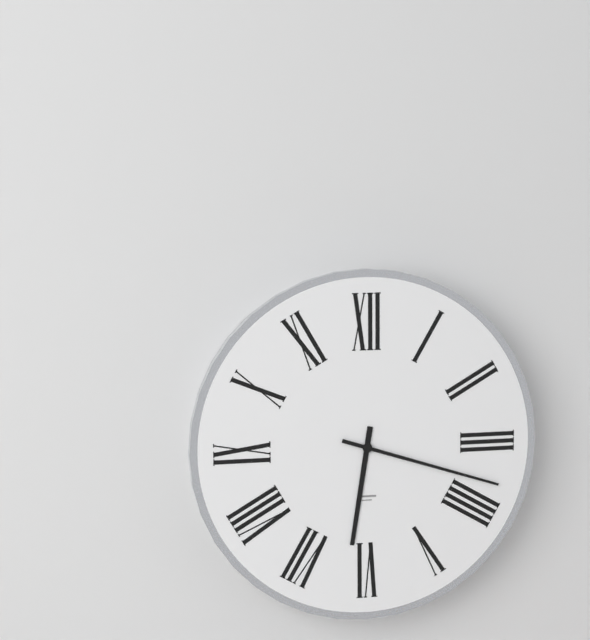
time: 6:18
